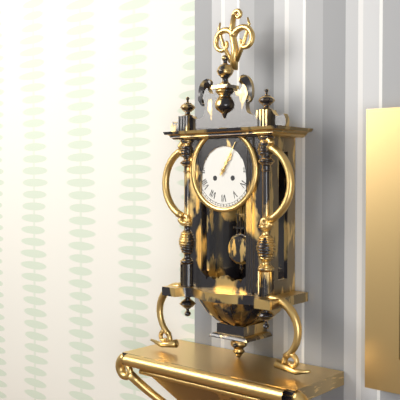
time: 1:05
